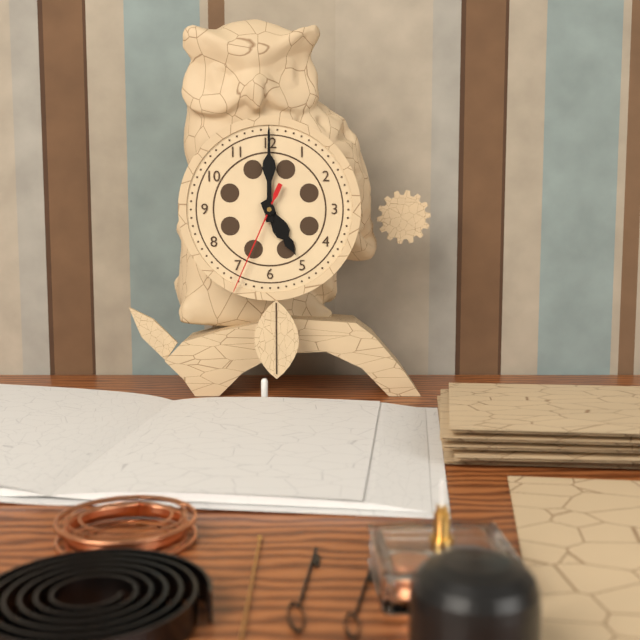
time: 5:00:34
